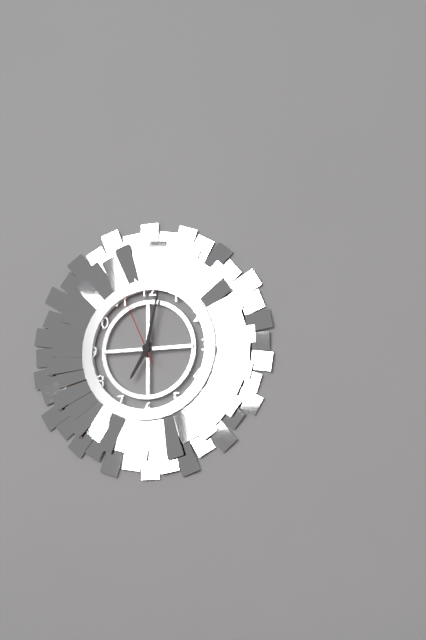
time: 7:02:56
